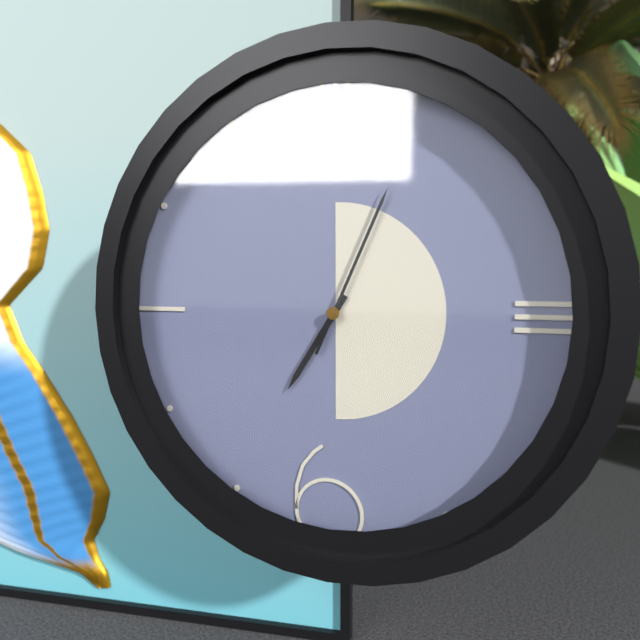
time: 7:04
